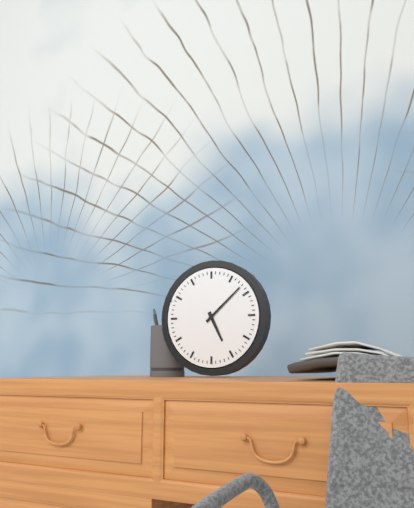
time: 5:08
